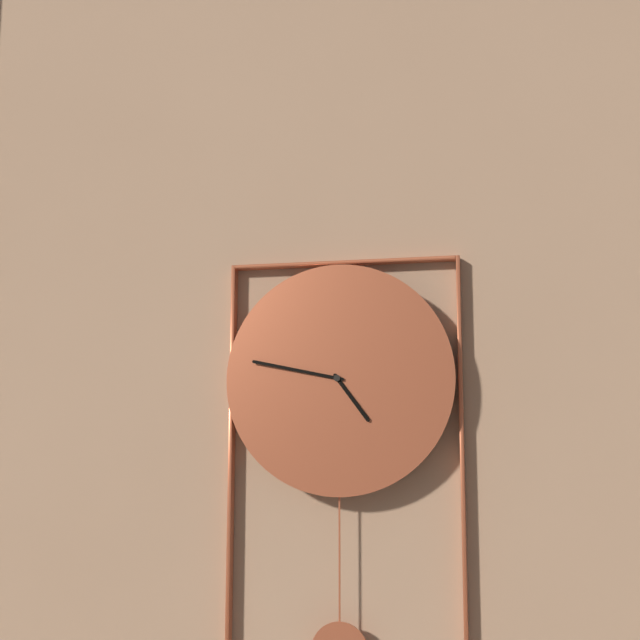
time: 4:47
